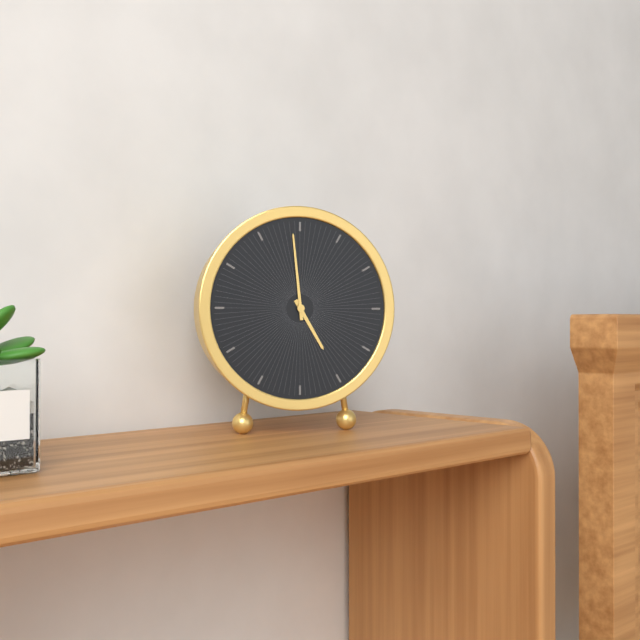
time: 4:59
